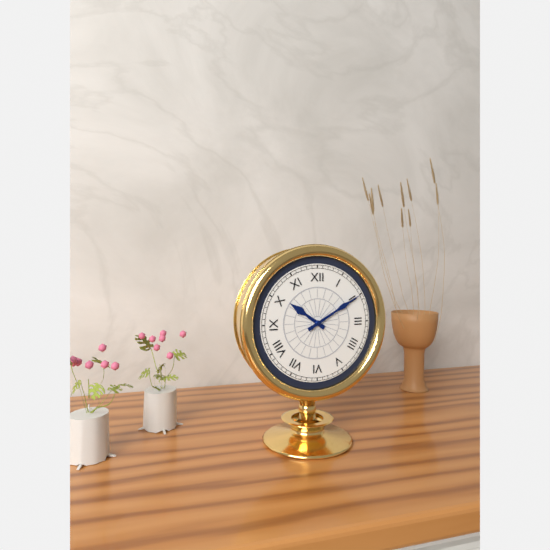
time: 10:10
